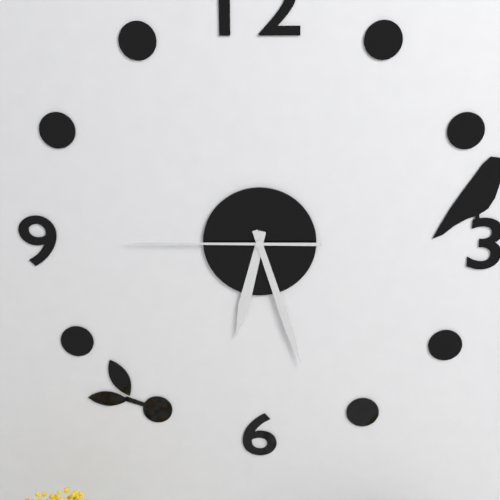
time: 6:27:45
